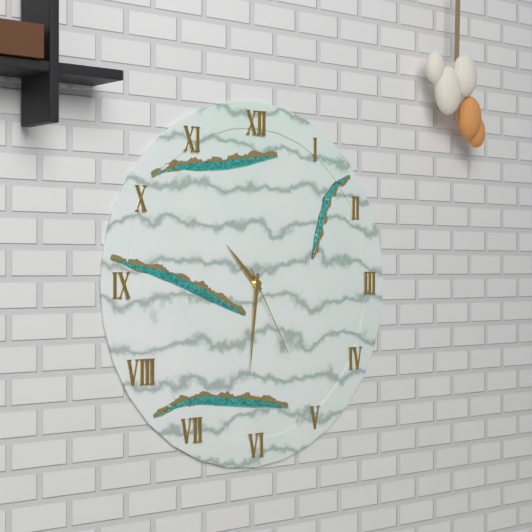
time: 10:31:25
